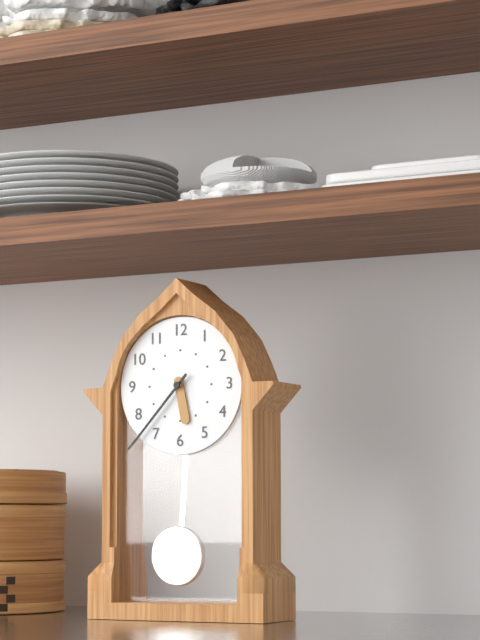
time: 5:37
